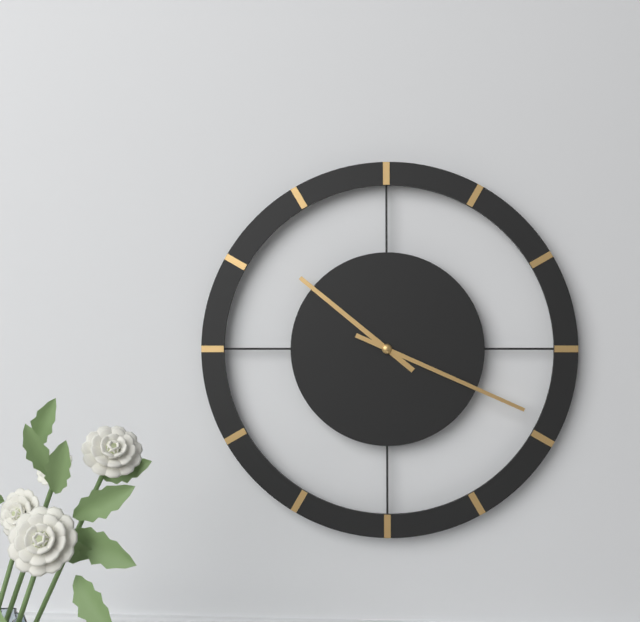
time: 10:19
